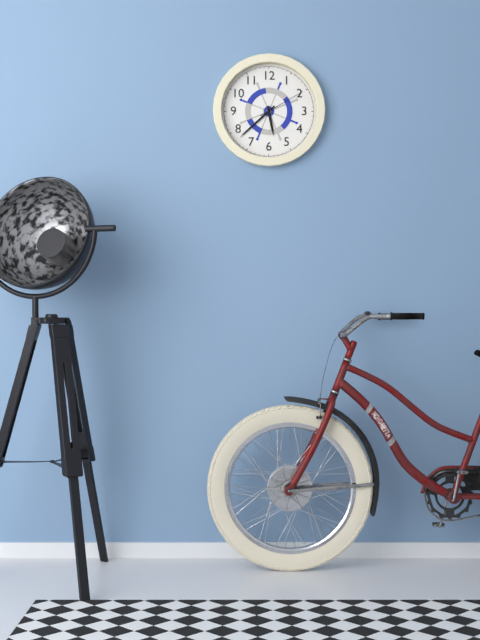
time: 5:38
